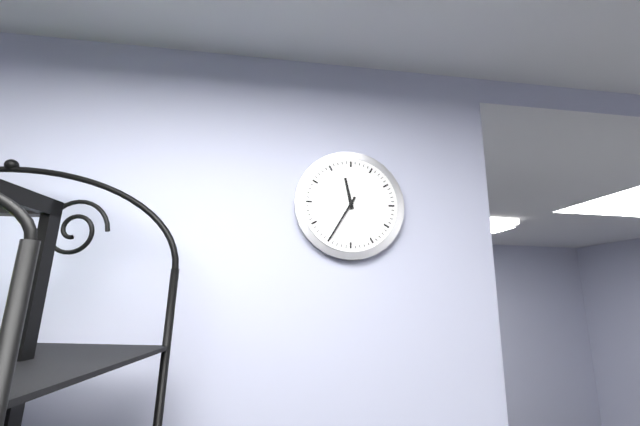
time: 11:35
